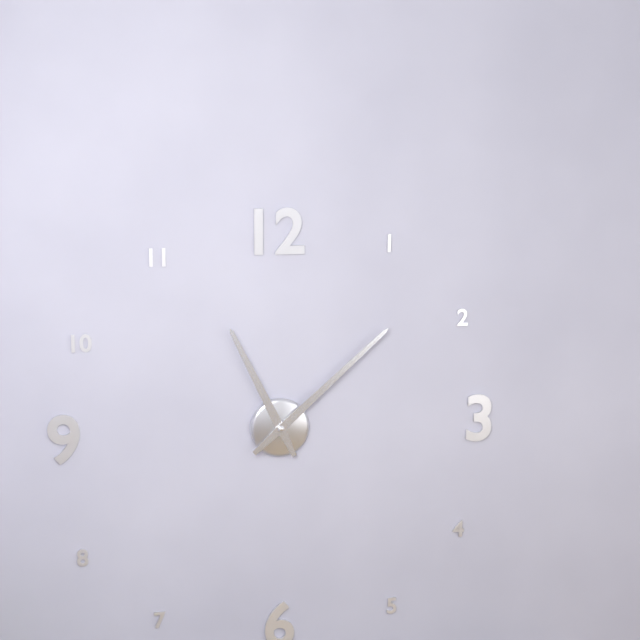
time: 11:08
